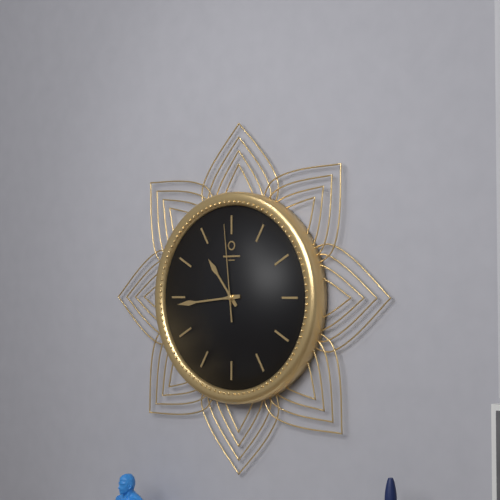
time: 10:44:59
